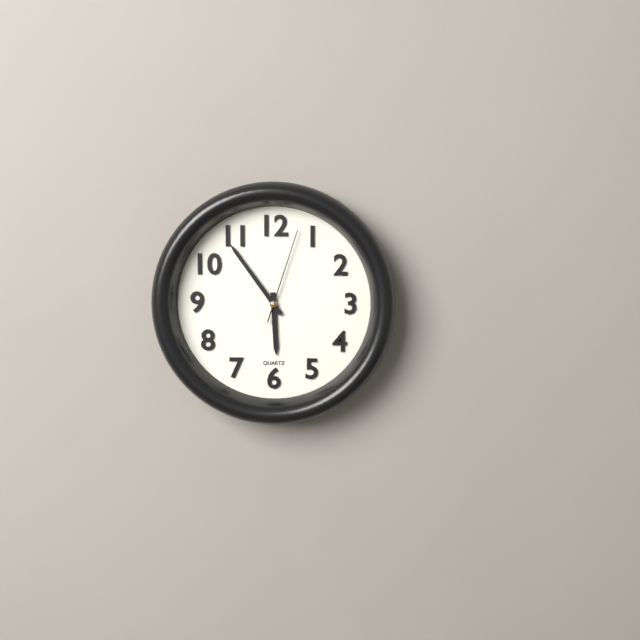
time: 5:54:03
